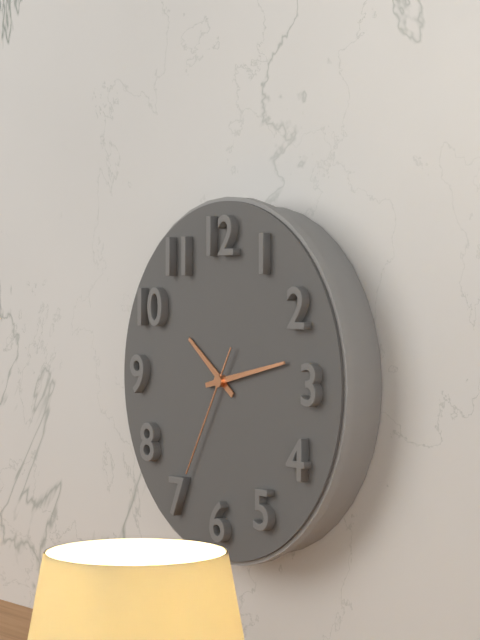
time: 10:13:35
